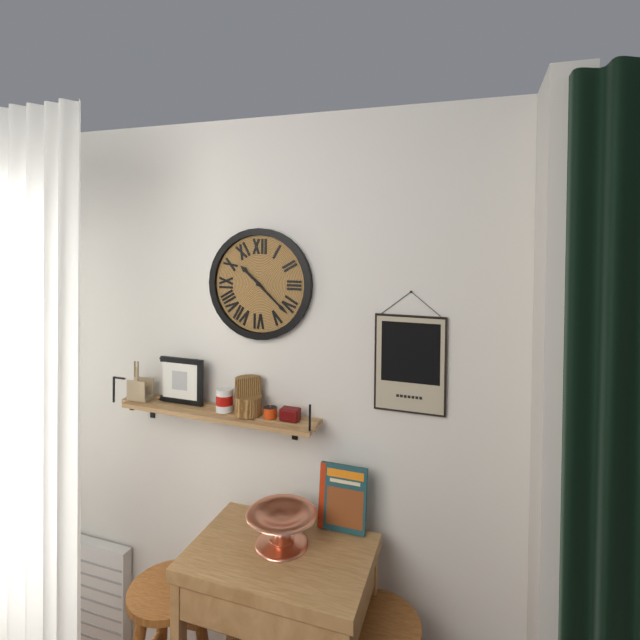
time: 10:22
